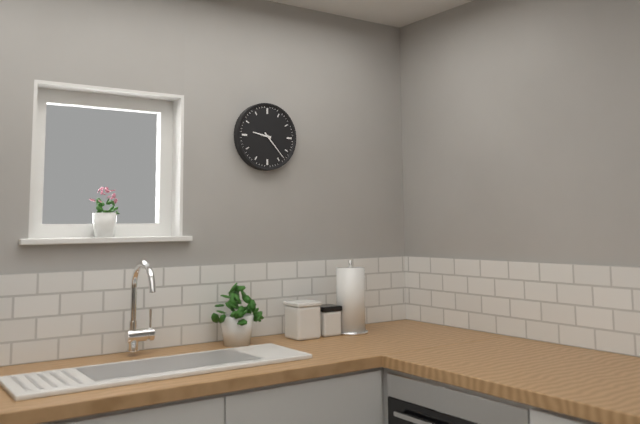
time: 9:23
